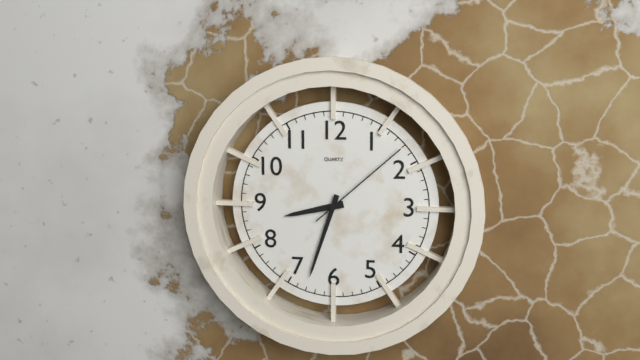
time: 8:33:08
